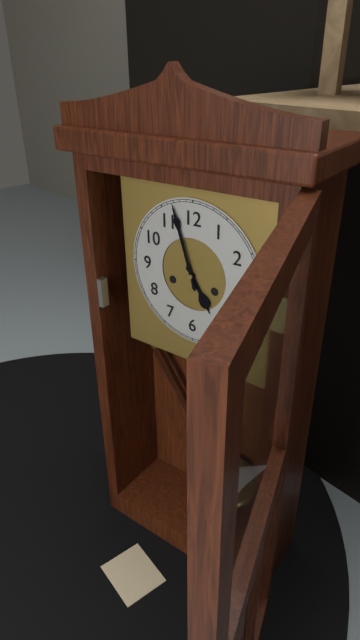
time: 4:57
